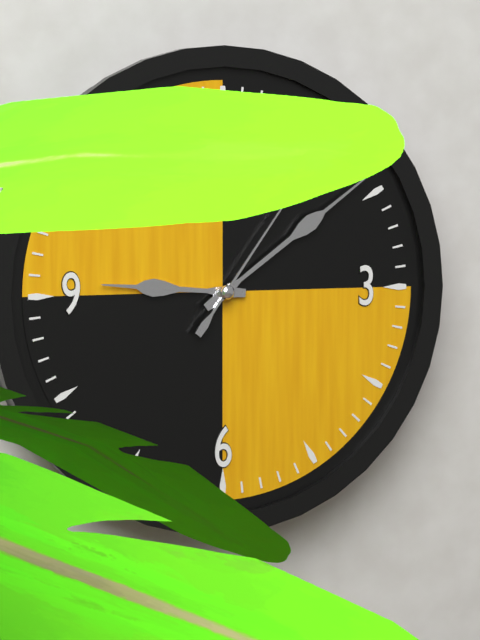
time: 9:09:06
